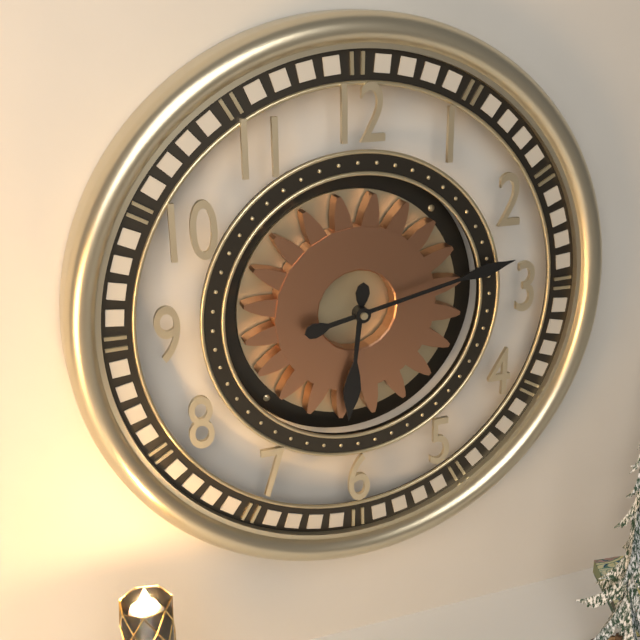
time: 6:13
